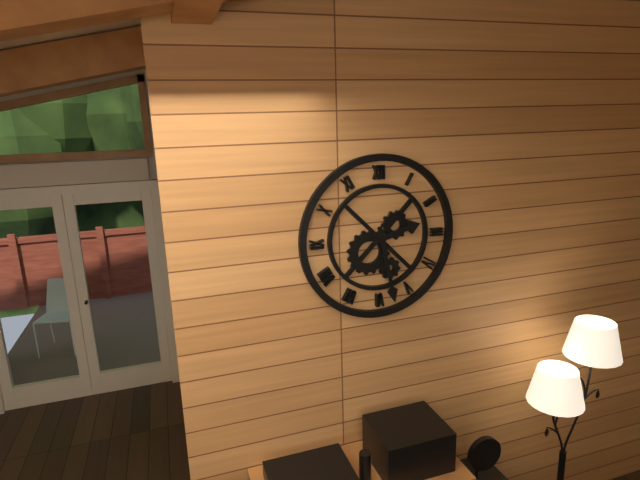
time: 2:28
